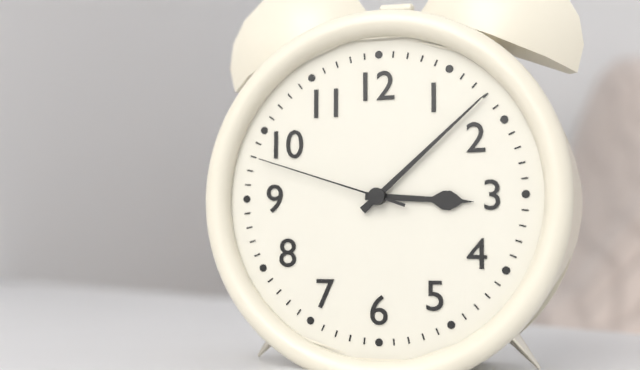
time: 3:08:48
